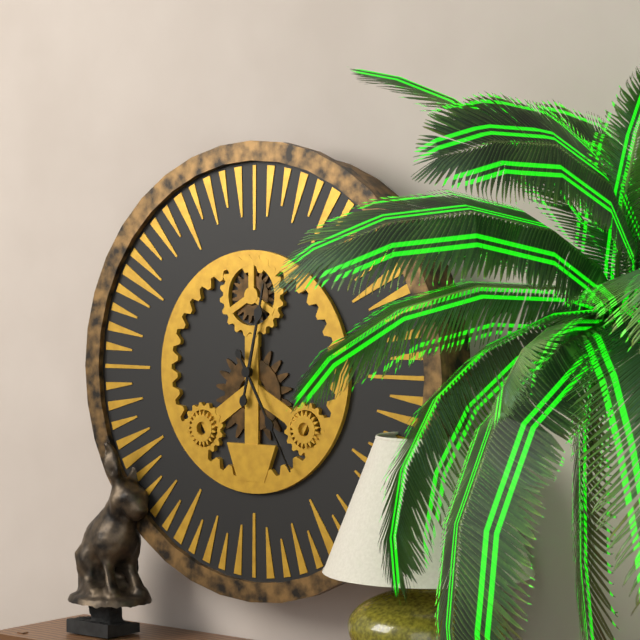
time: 12:25
